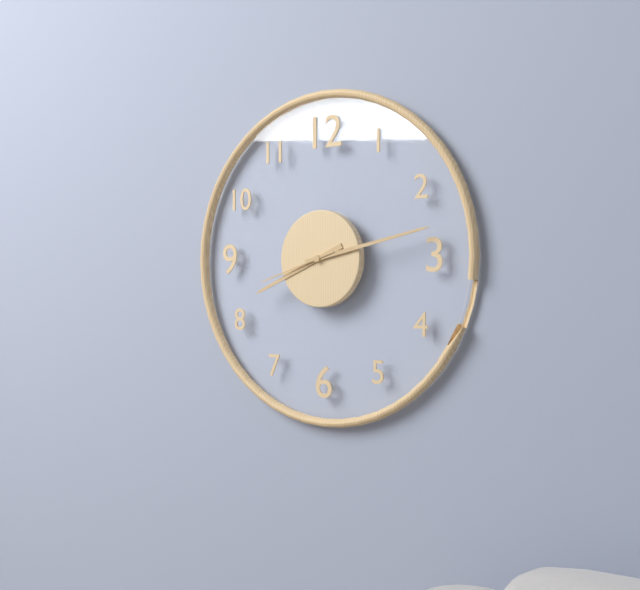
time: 8:13:42
